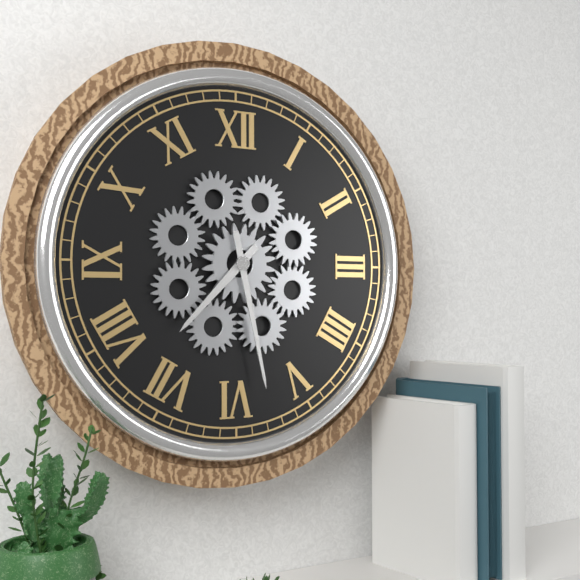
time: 7:28
